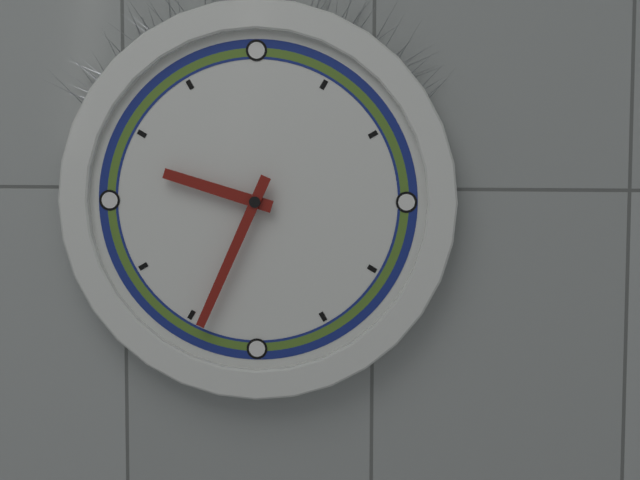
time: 9:34
